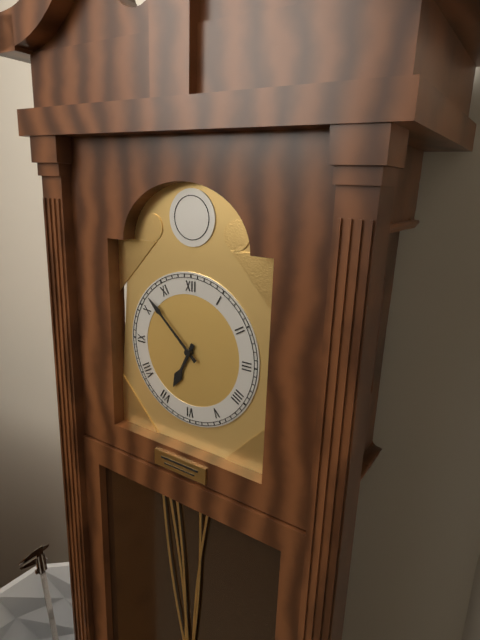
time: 6:52
